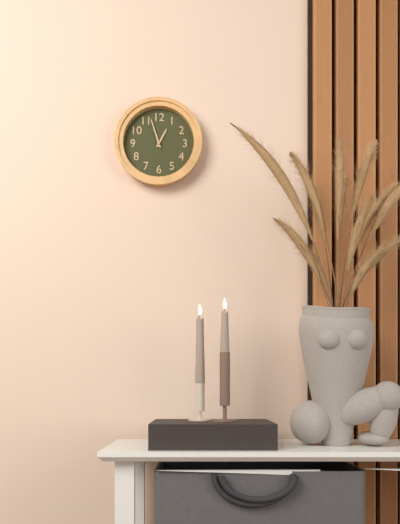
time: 12:57
